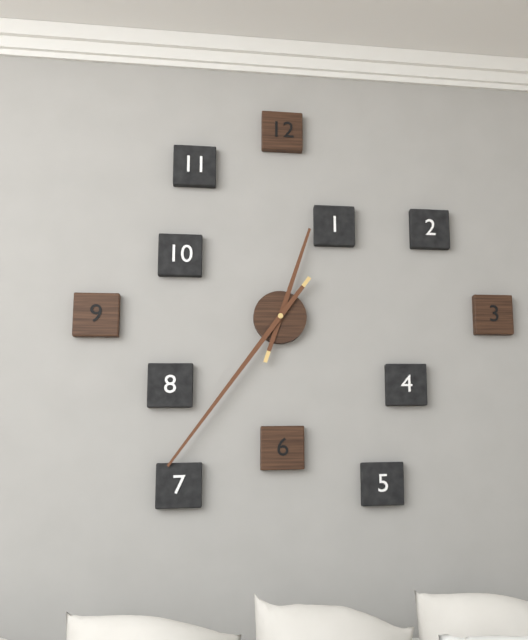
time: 12:36
